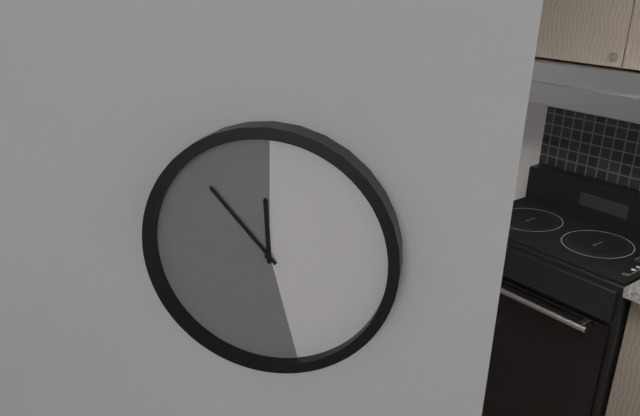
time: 11:53
